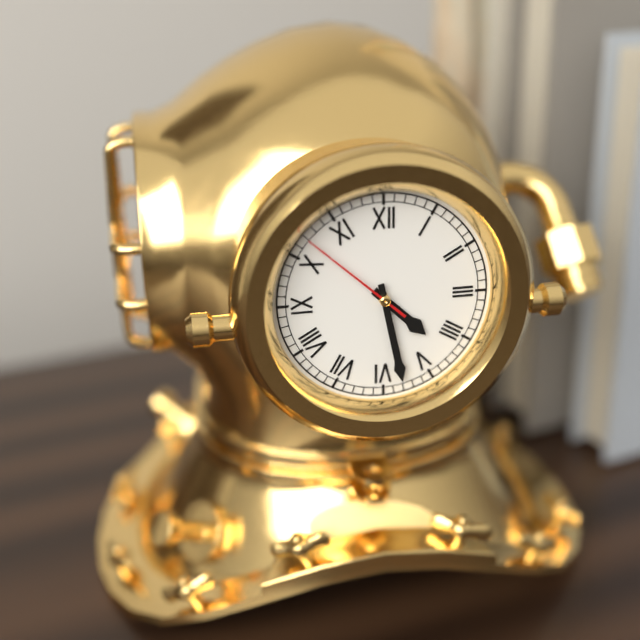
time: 4:28:52
